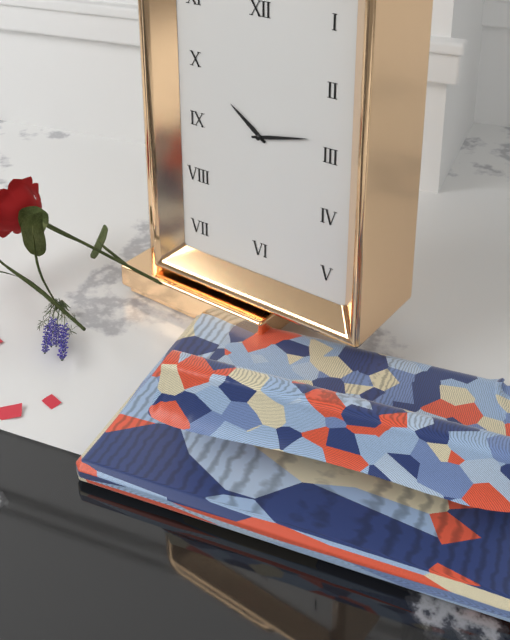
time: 10:13
